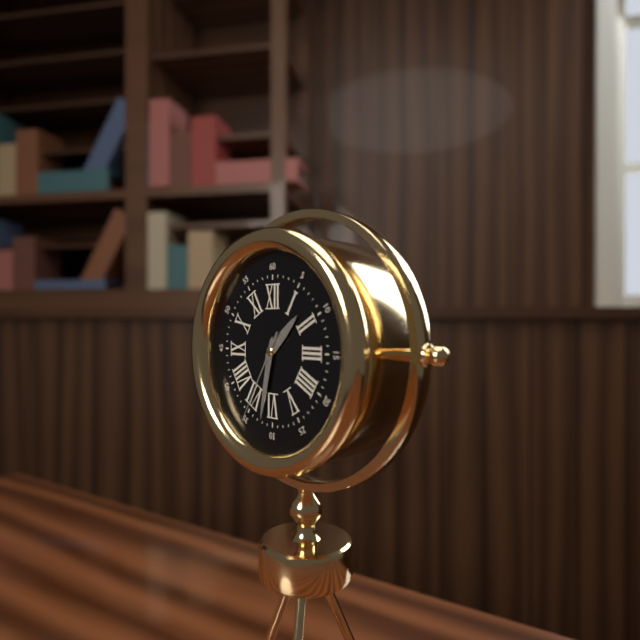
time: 1:32:35
